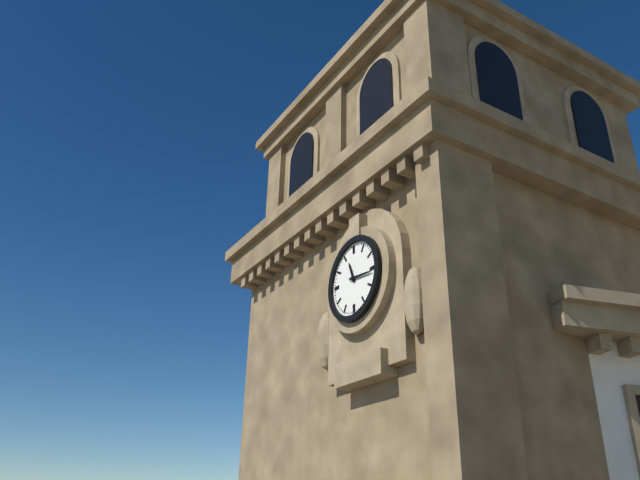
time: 11:16
